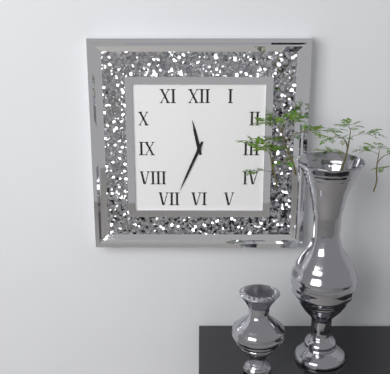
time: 11:34
